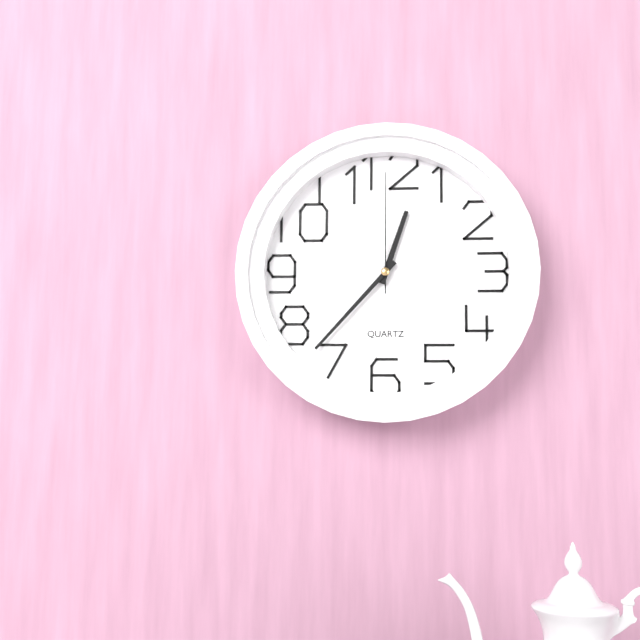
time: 12:37:00
